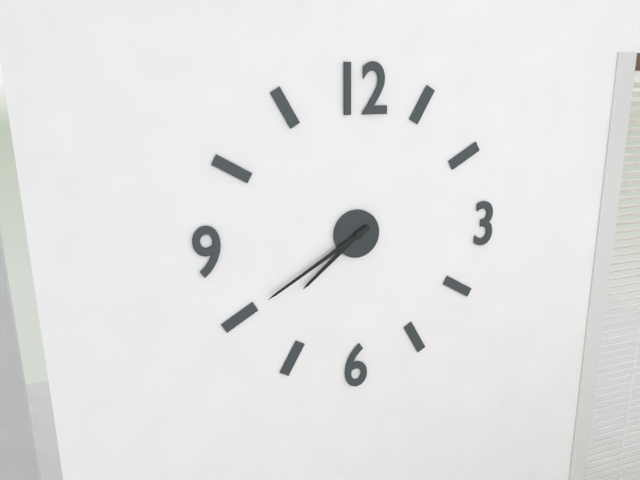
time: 7:40
